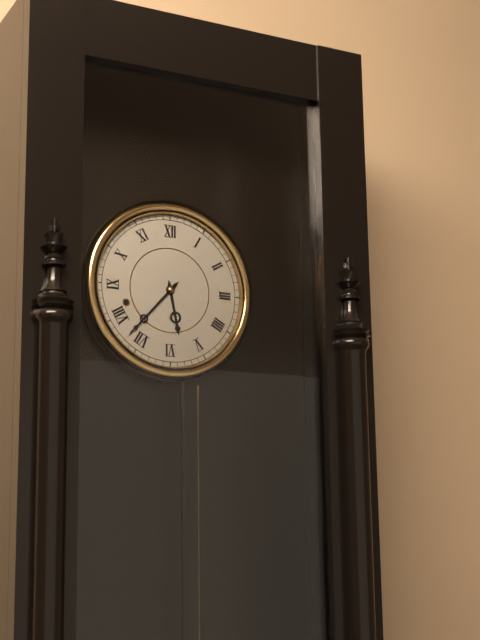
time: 5:37
